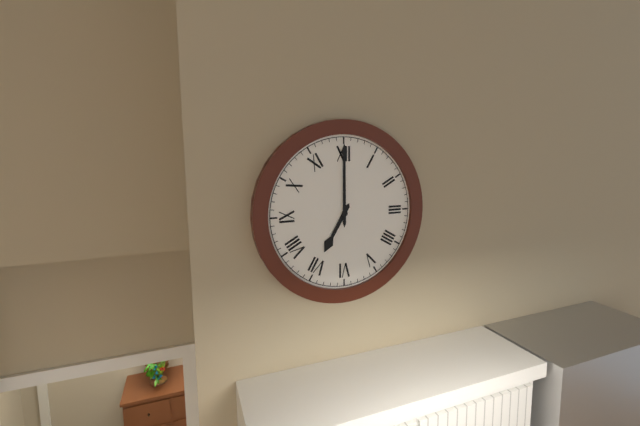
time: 7:00
